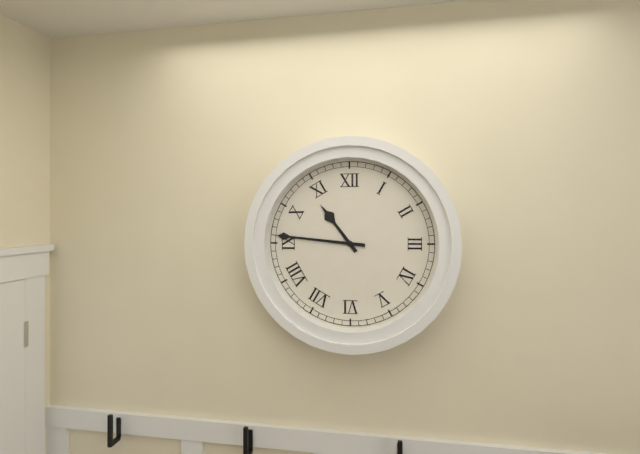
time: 10:46
